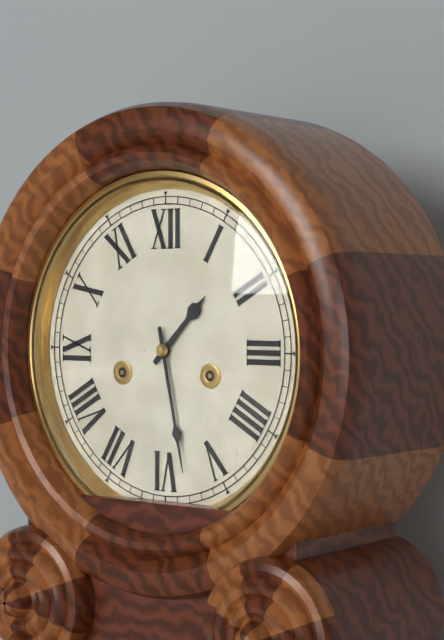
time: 1:28
